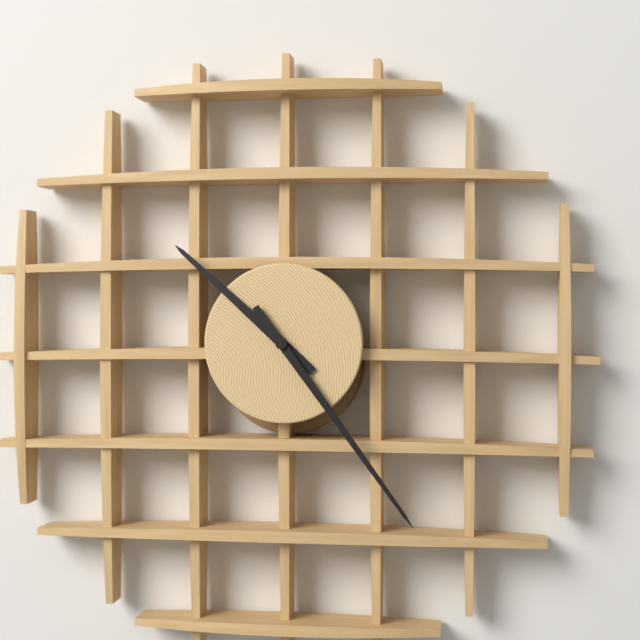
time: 10:24
